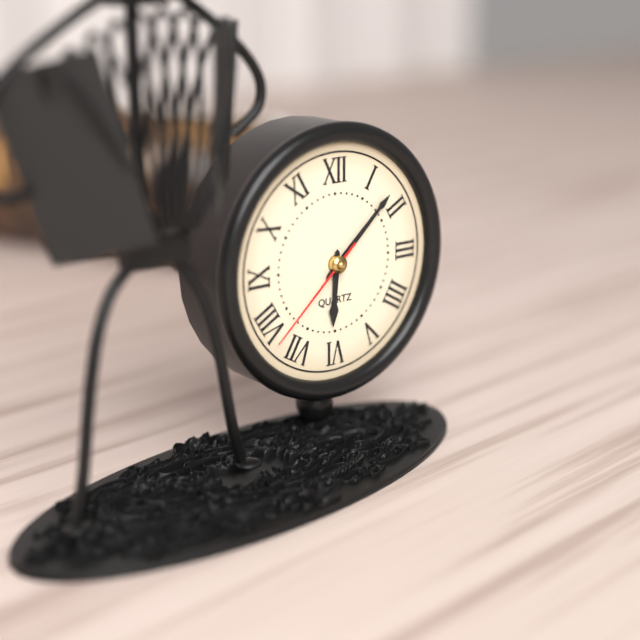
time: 6:08:38
